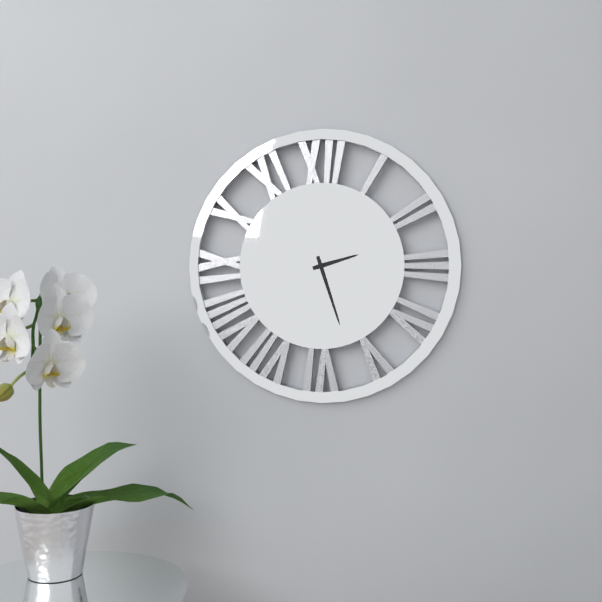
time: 2:27
